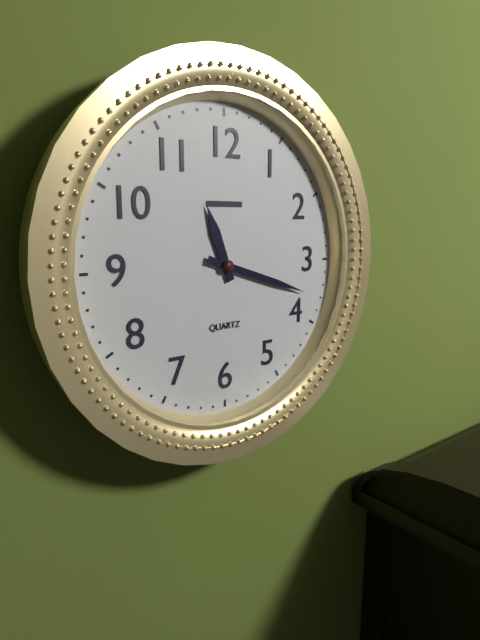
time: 11:18
